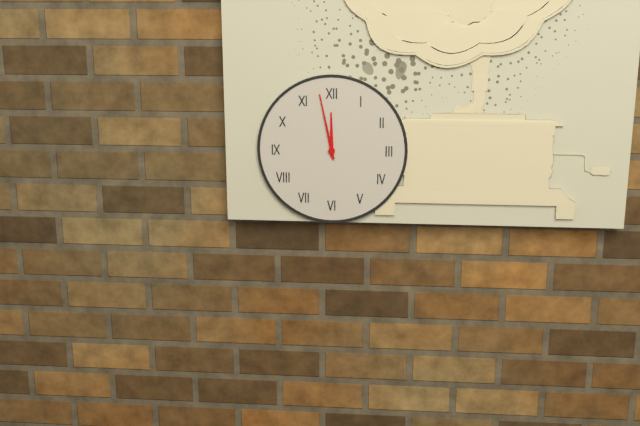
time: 11:58
